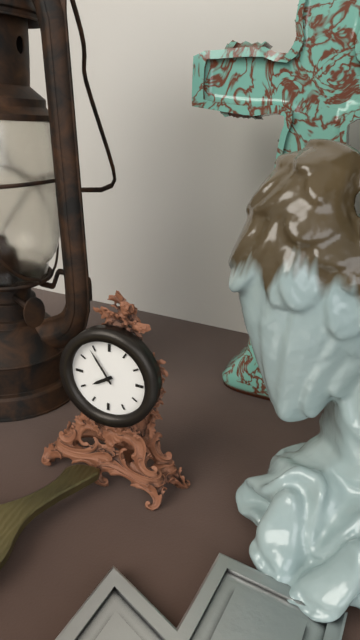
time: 7:54
